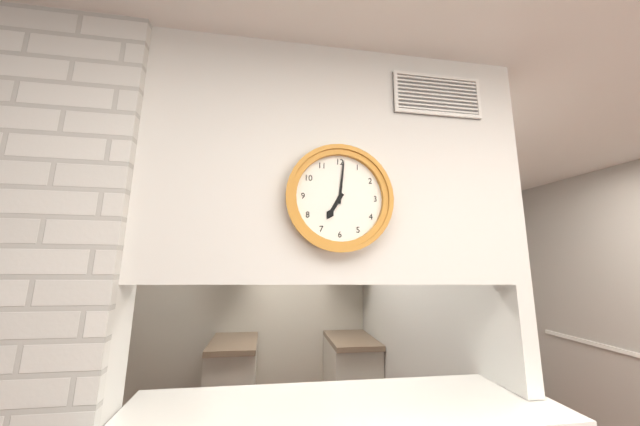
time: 7:01
